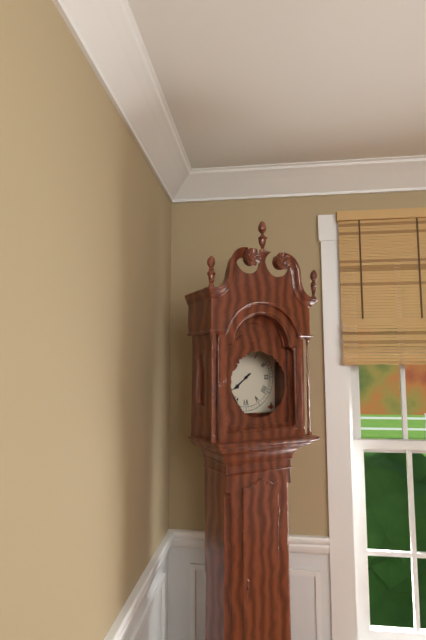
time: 7:39
